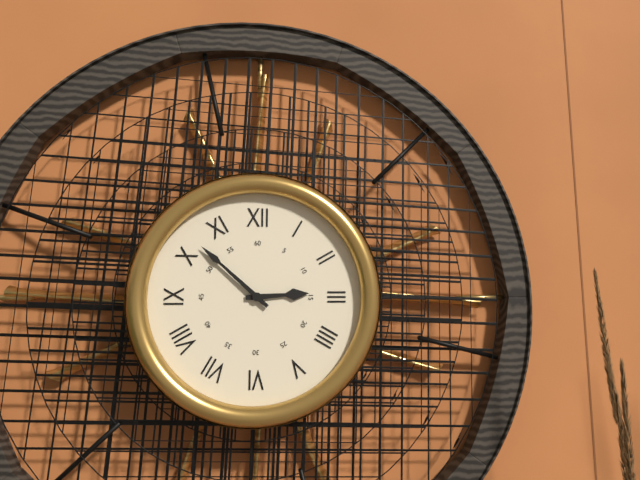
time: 2:52
